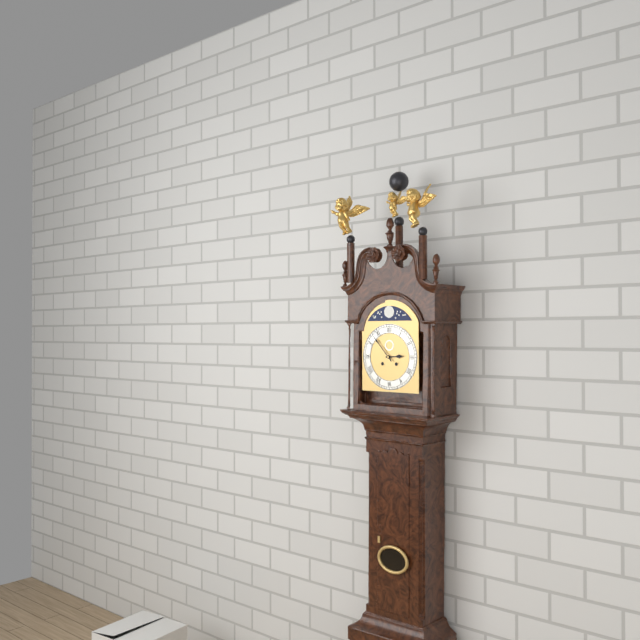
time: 2:53
